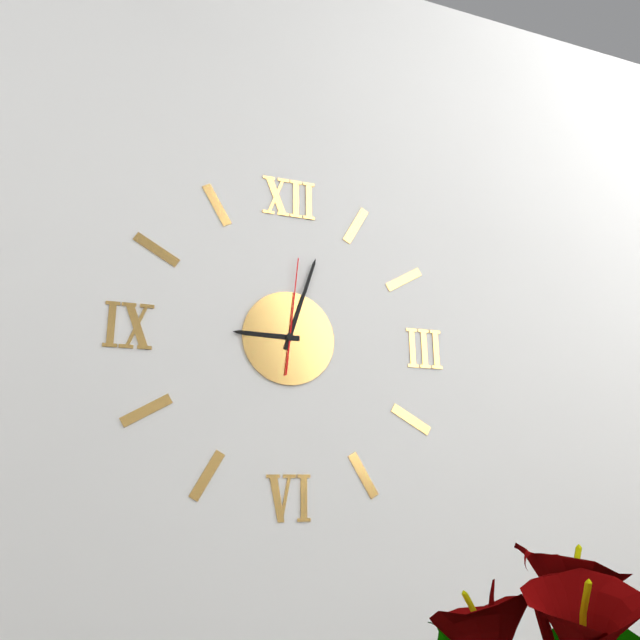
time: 9:03:01
